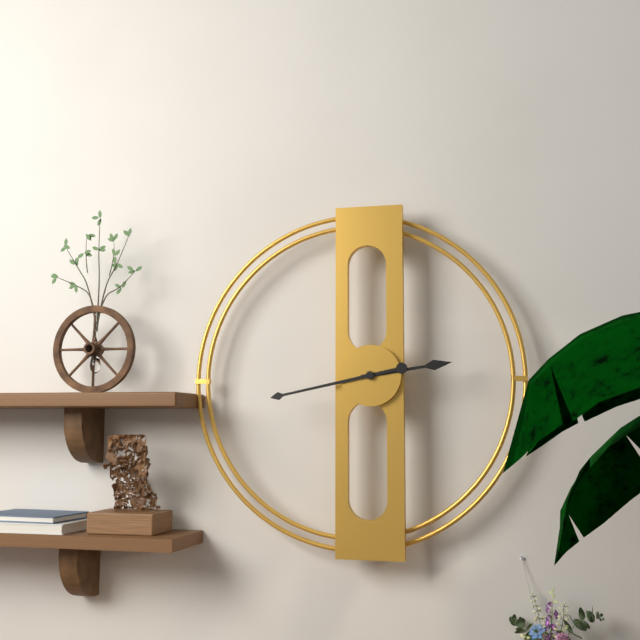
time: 2:43
